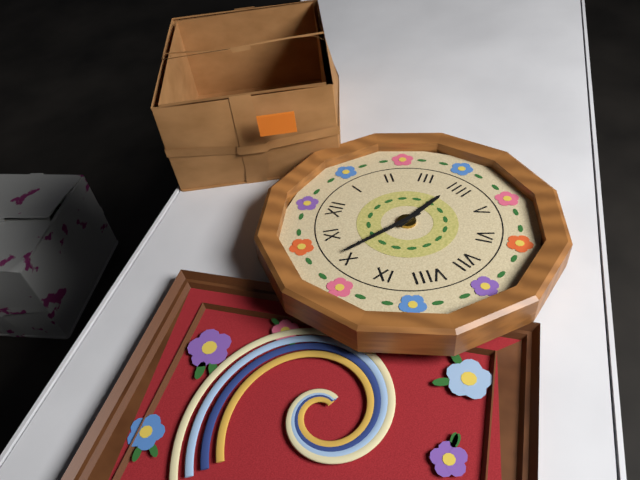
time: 3:51
